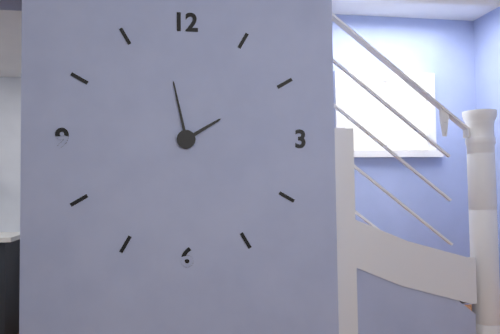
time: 1:58
